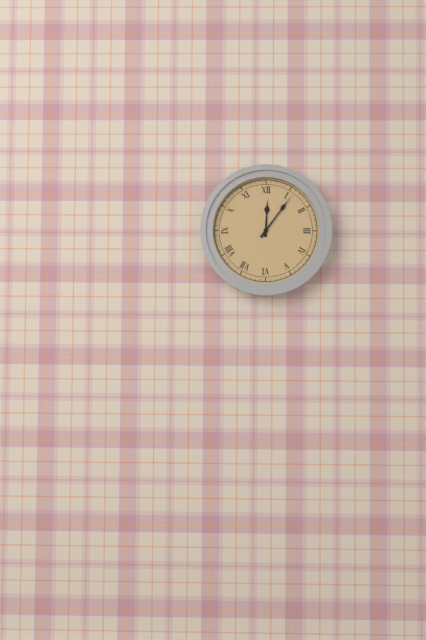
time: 12:06
